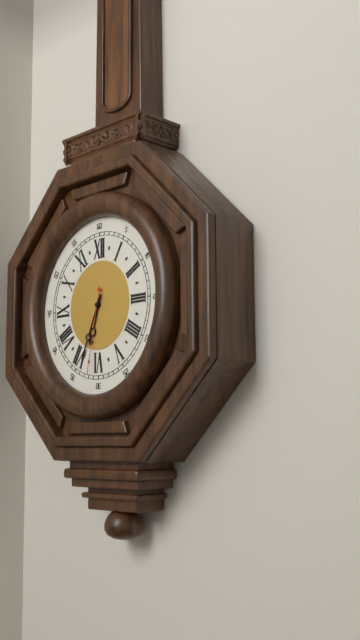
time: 6:34:32
